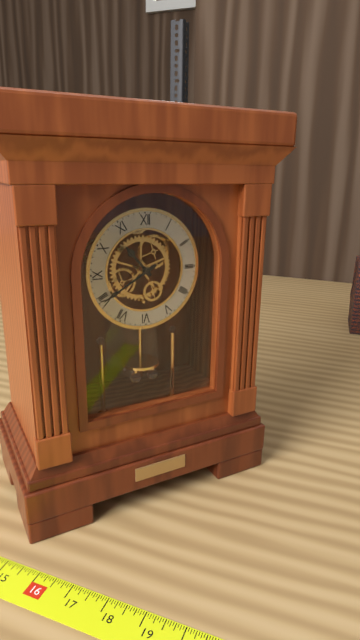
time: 10:40
